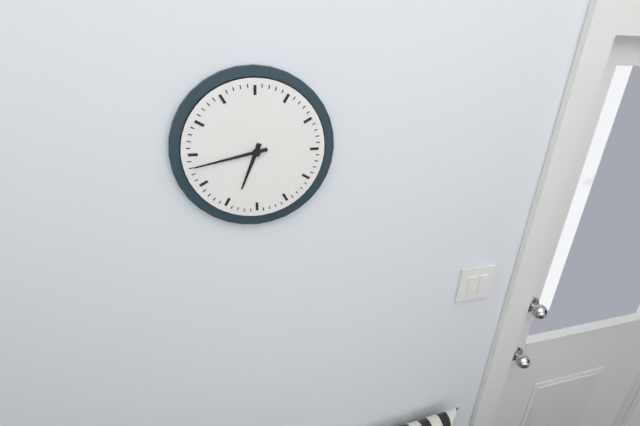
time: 6:43
